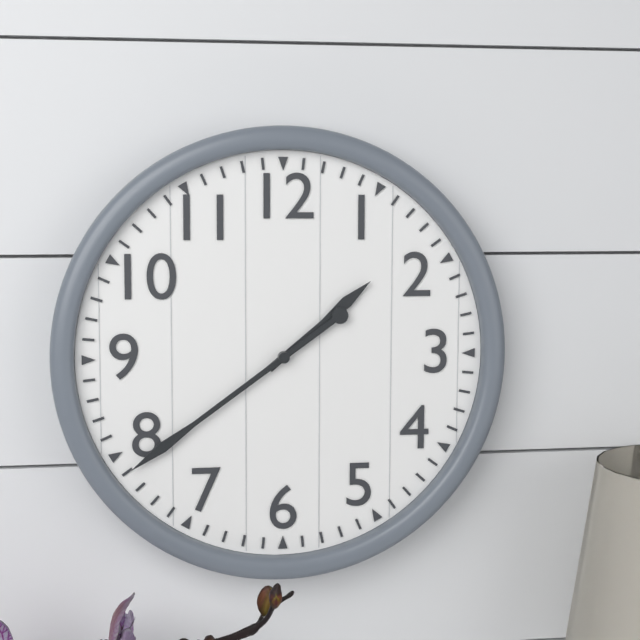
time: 1:39
